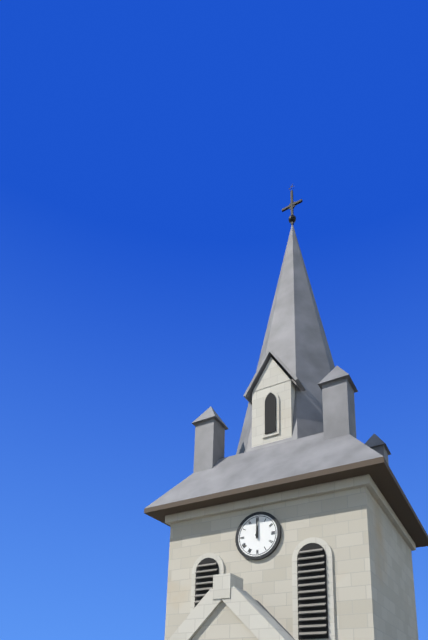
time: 12:00
